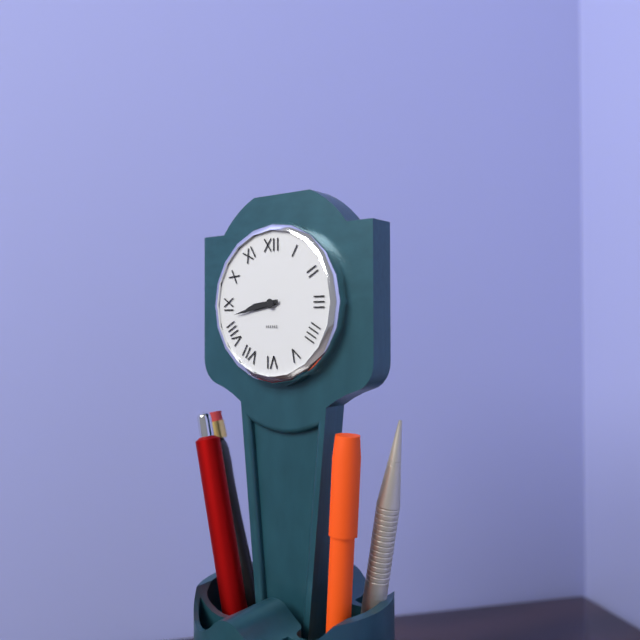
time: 8:43
